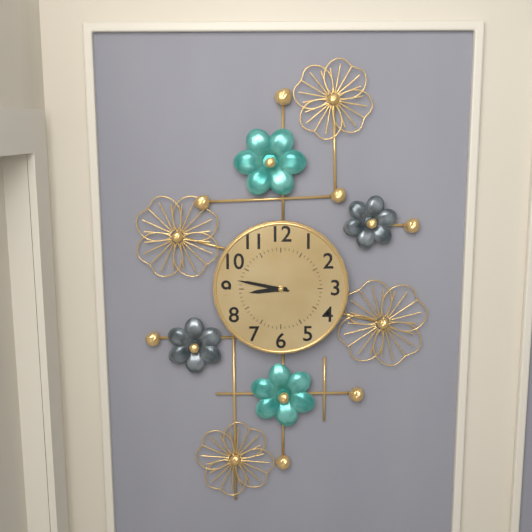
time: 8:47
